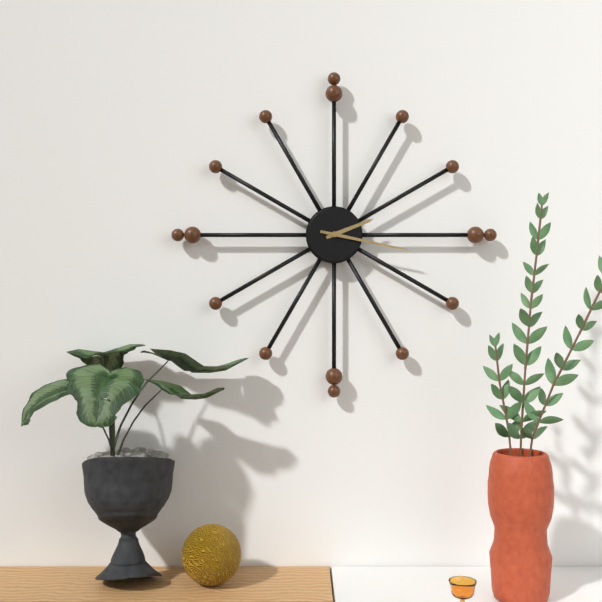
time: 2:17
